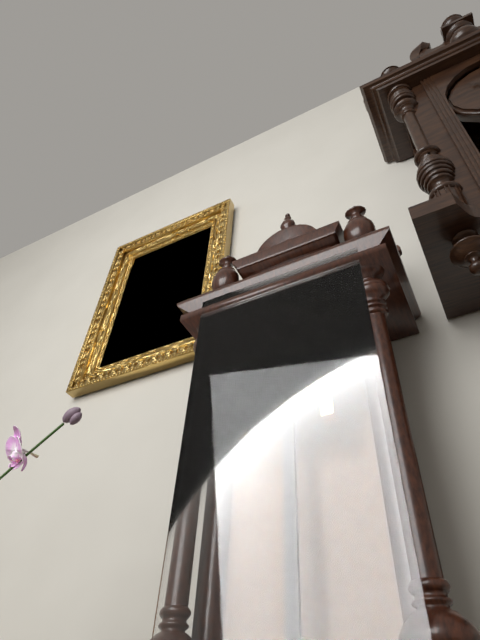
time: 2:26
